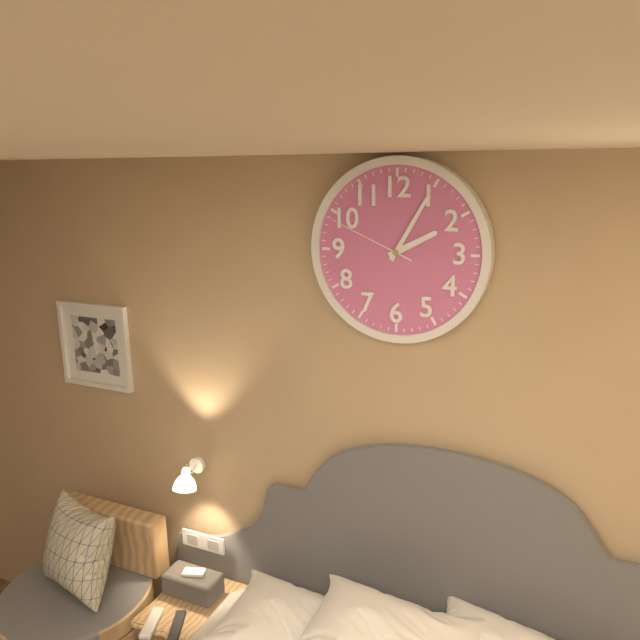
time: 2:05:49
